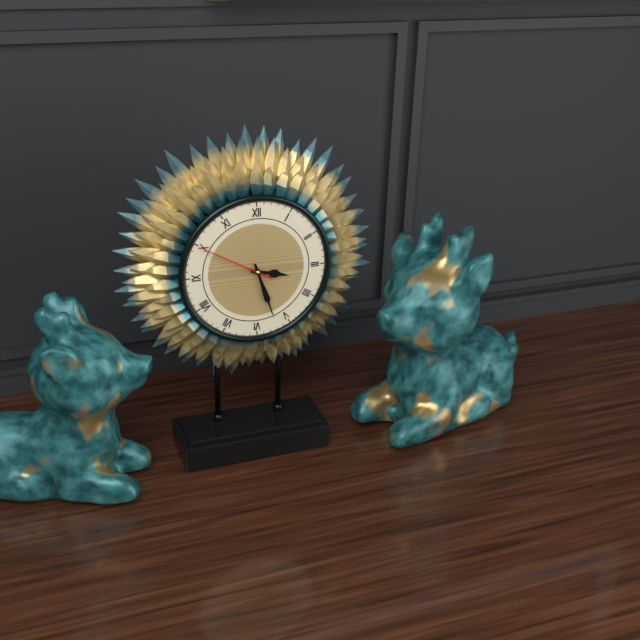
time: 3:27:50
